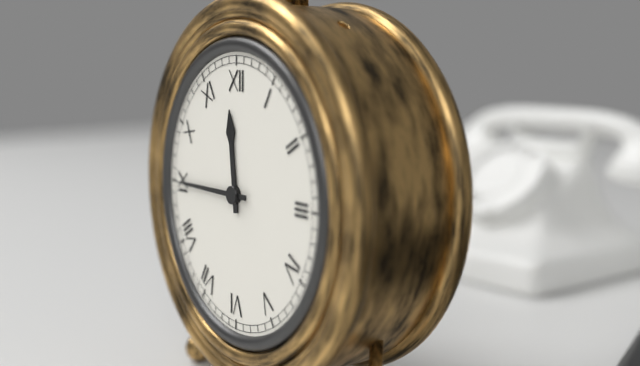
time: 11:45
